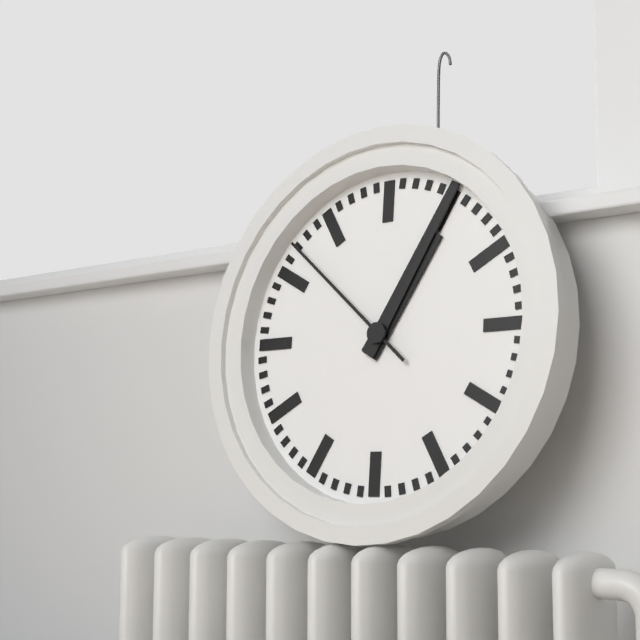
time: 1:05:52
